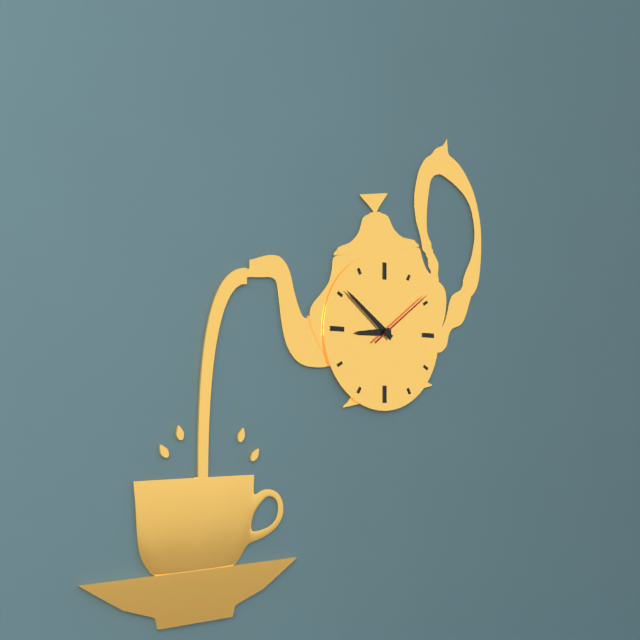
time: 8:51:09
